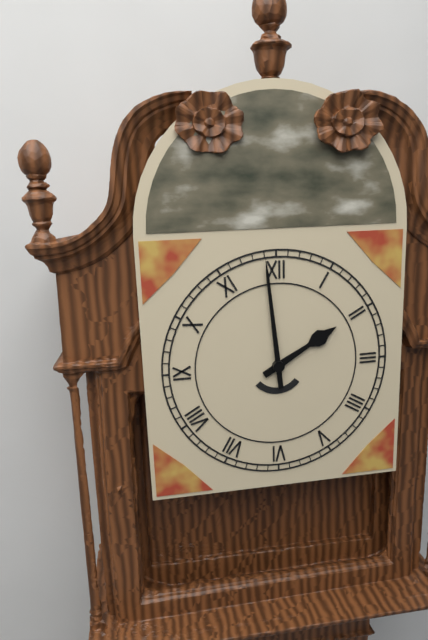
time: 1:59
